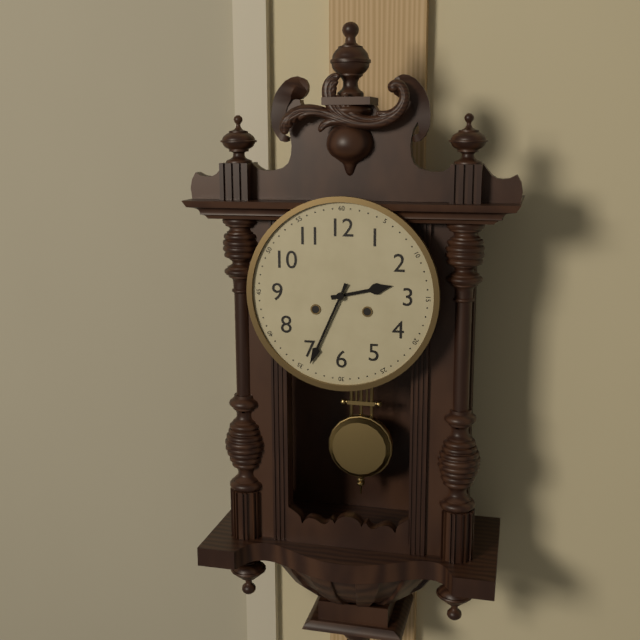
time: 2:34
